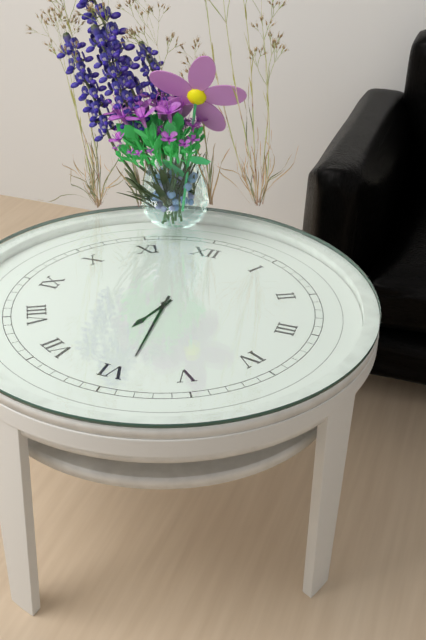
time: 6:29
